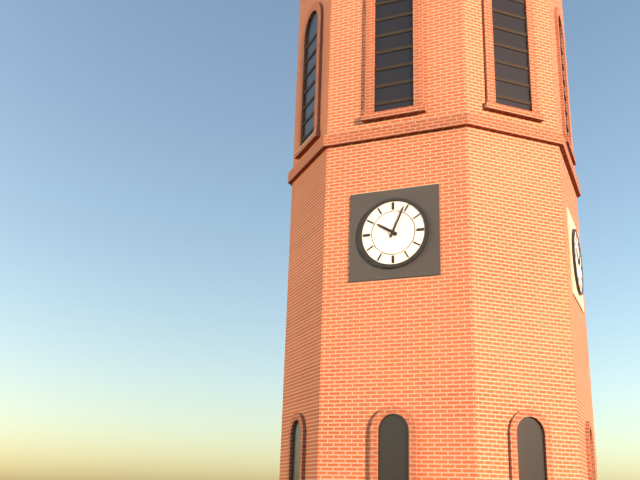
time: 10:04
